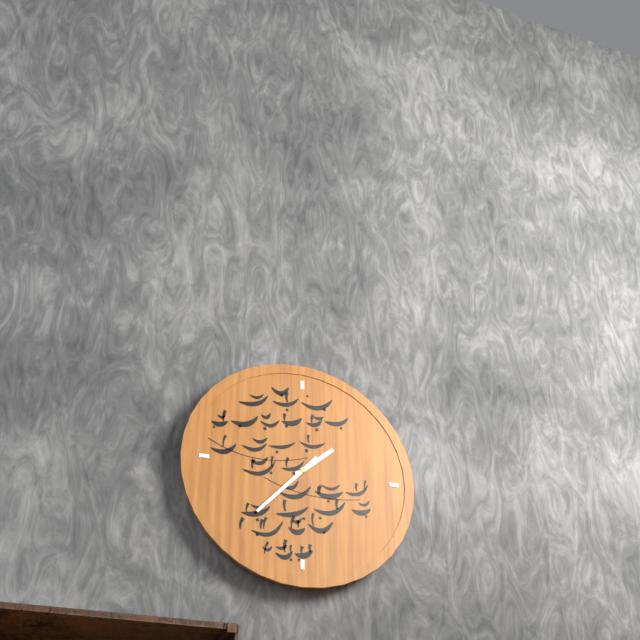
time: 1:37
